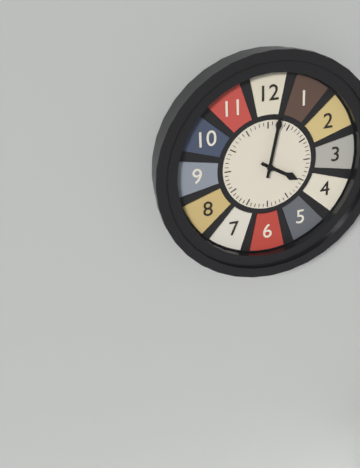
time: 4:02
